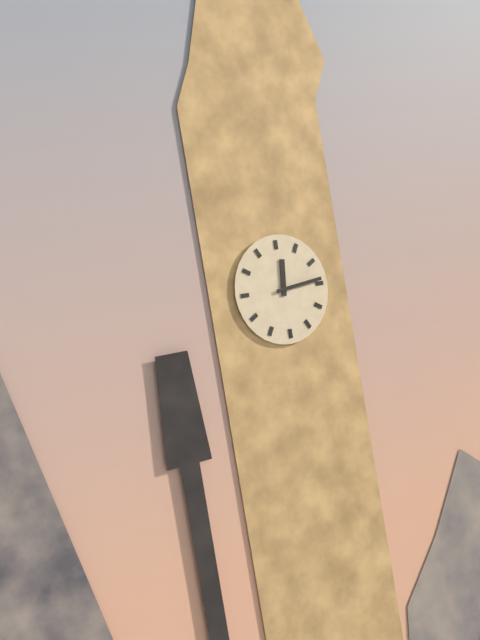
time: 12:14
